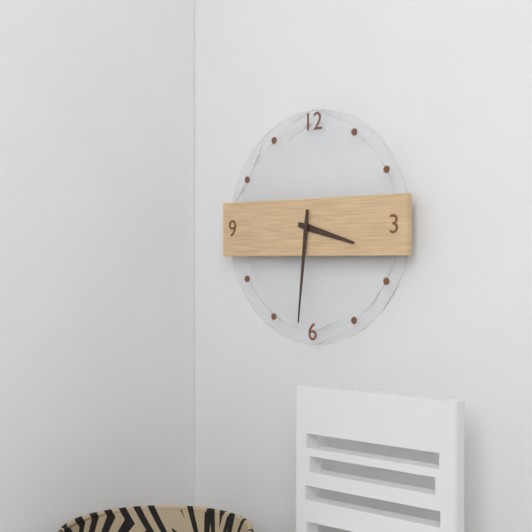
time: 3:31
